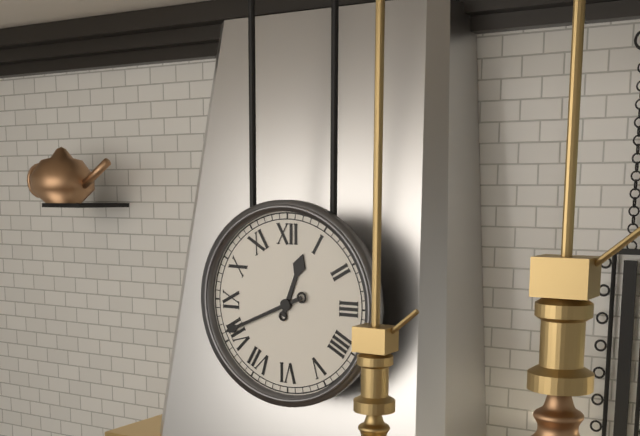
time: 12:41
